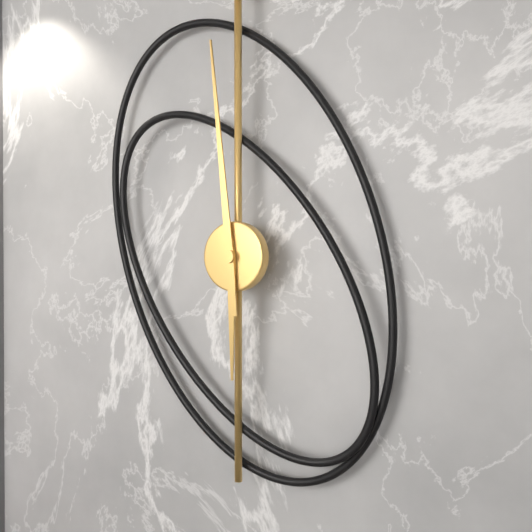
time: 5:59
